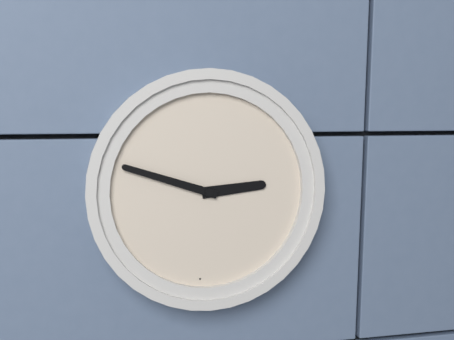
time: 2:48
